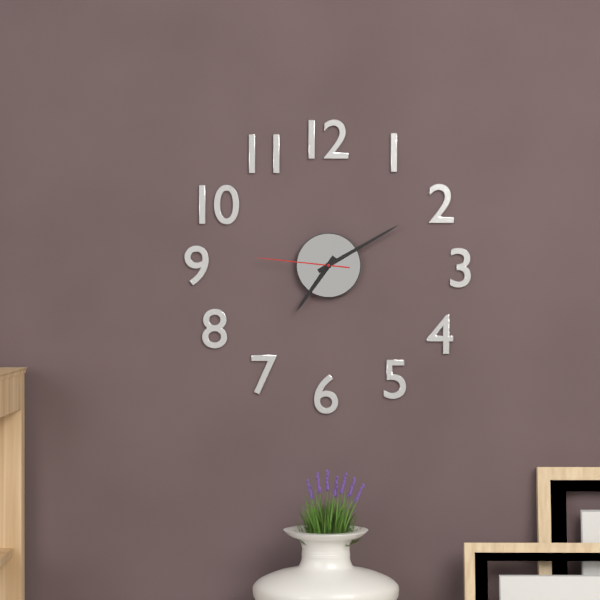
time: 7:10:46
